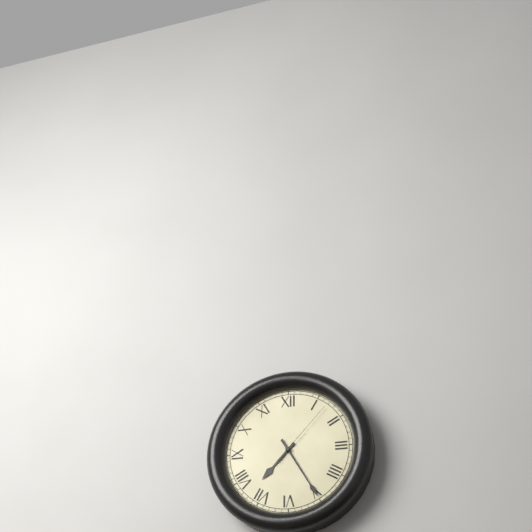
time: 7:25:07
